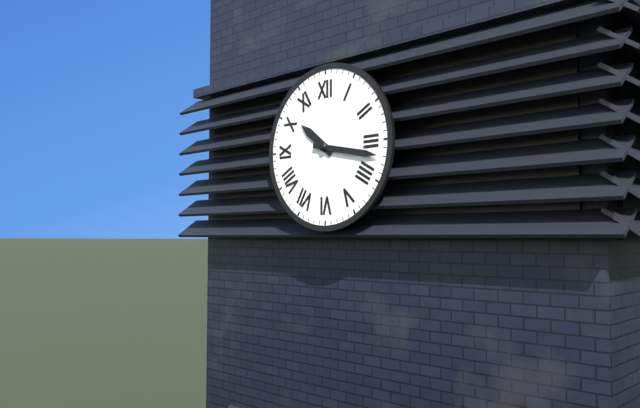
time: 10:17
